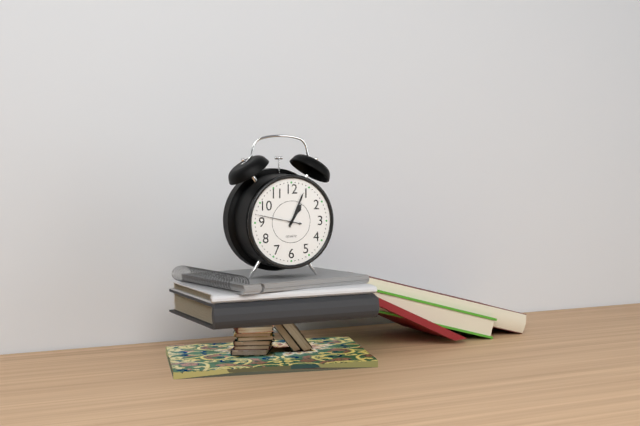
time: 1:04
